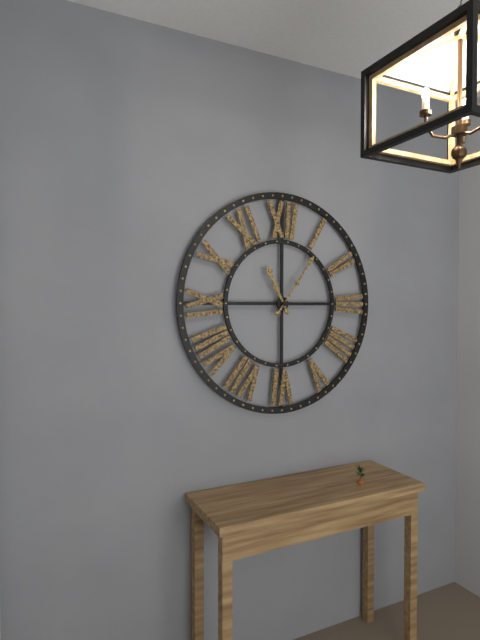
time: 11:06
